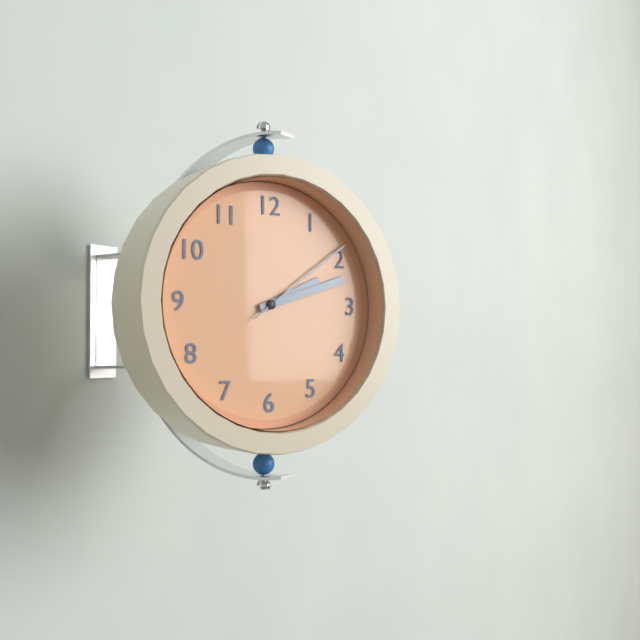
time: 2:12:09
